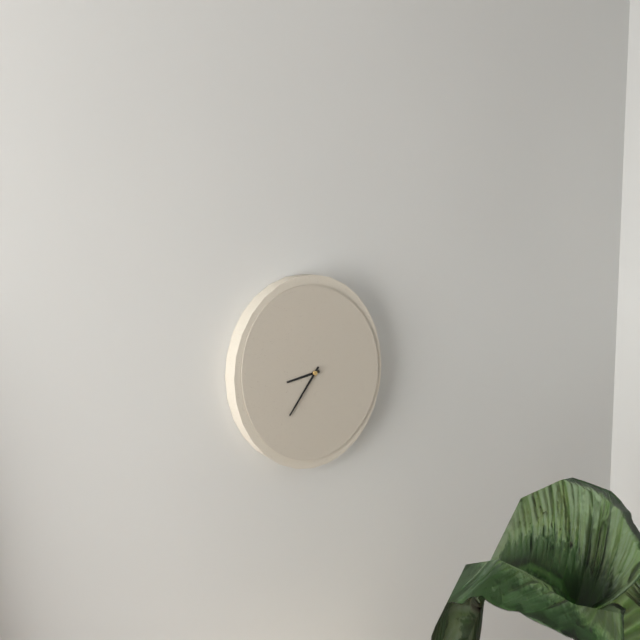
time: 8:36
